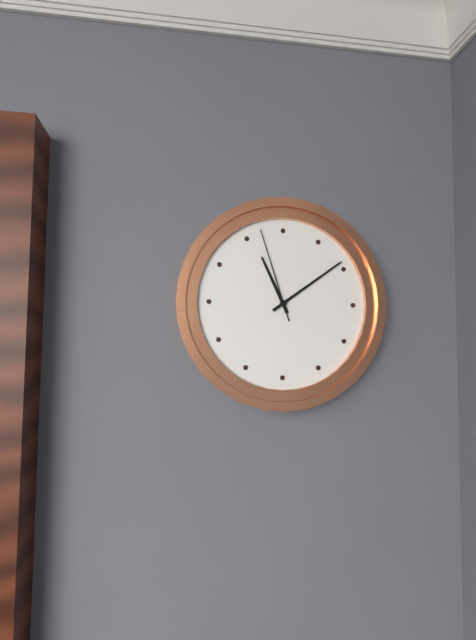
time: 11:09:57
